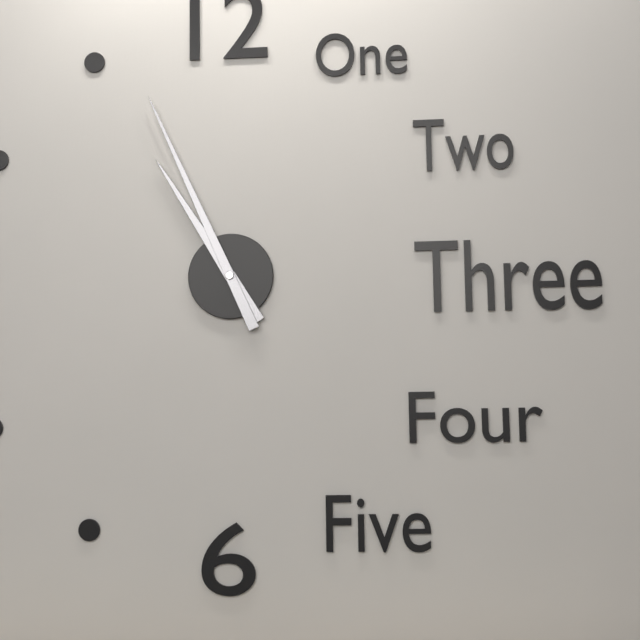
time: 10:56
